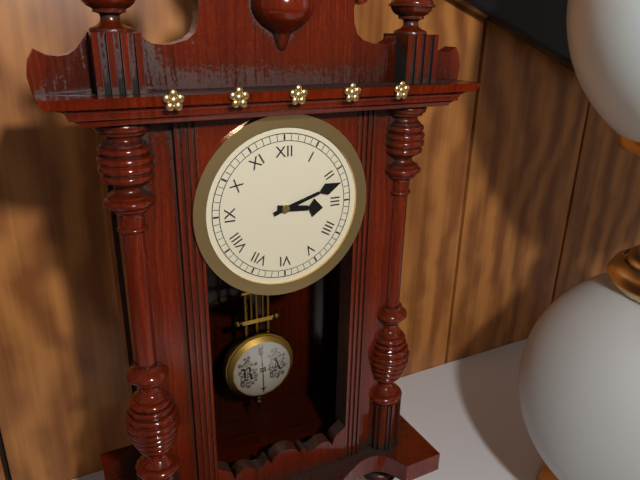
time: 3:12
